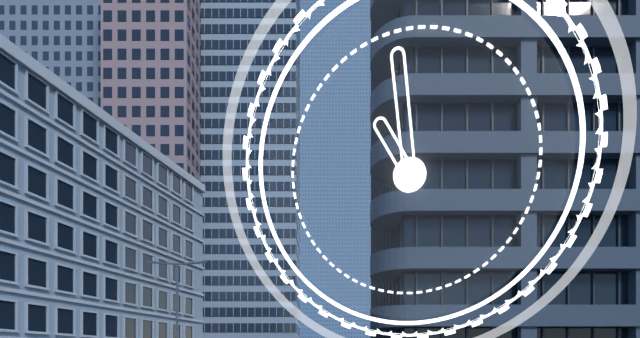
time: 10:59
